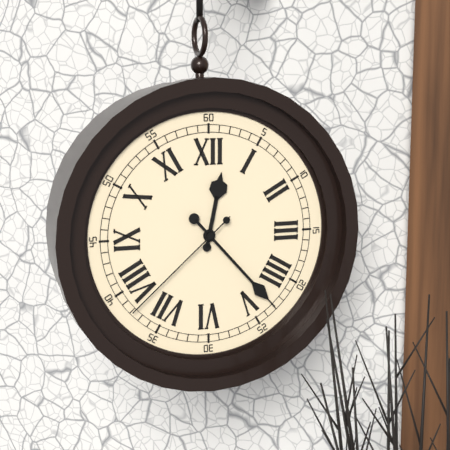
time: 12:23:38
